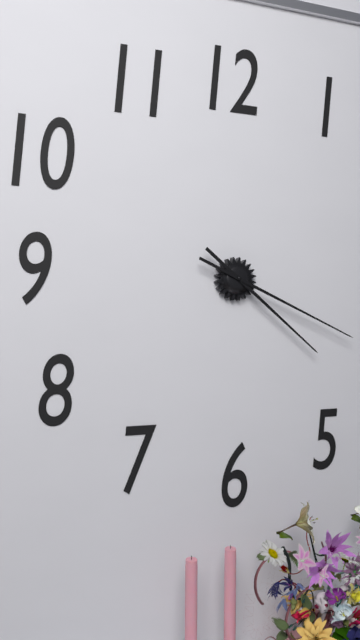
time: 4:19
